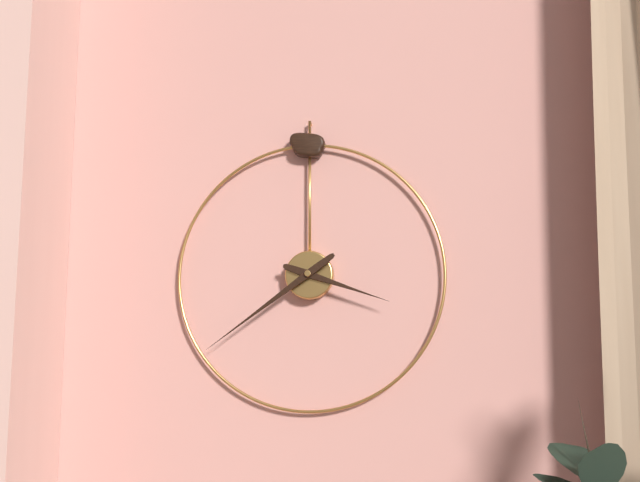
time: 3:39
